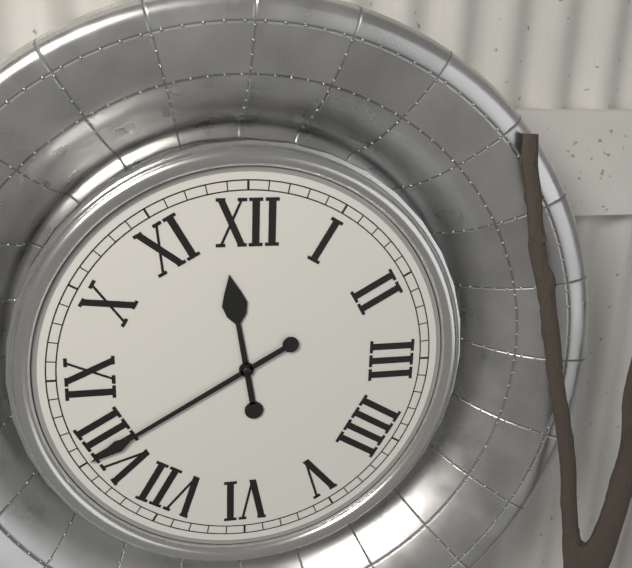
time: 11:40
